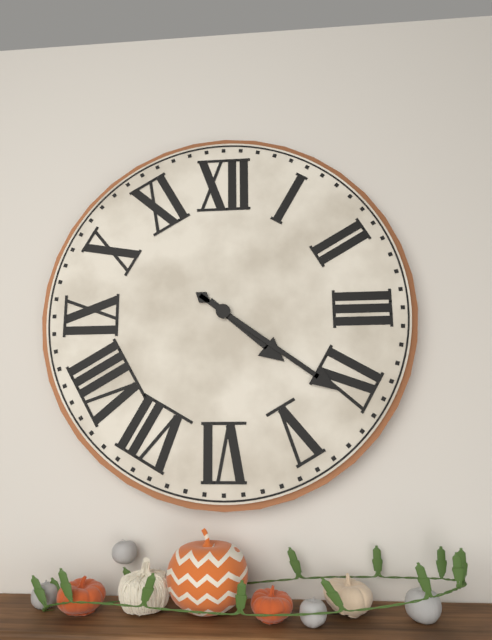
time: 4:21
